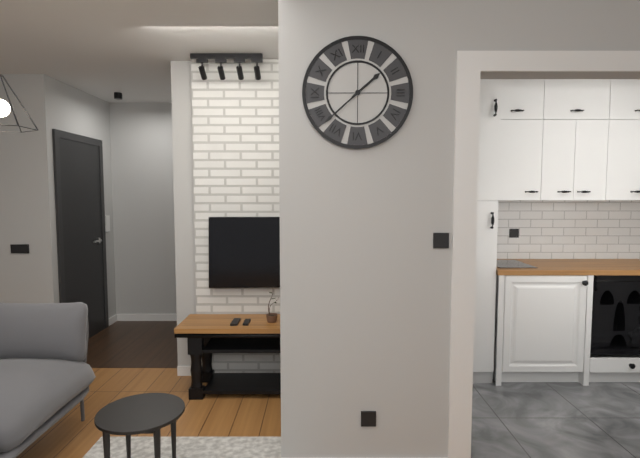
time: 1:38
